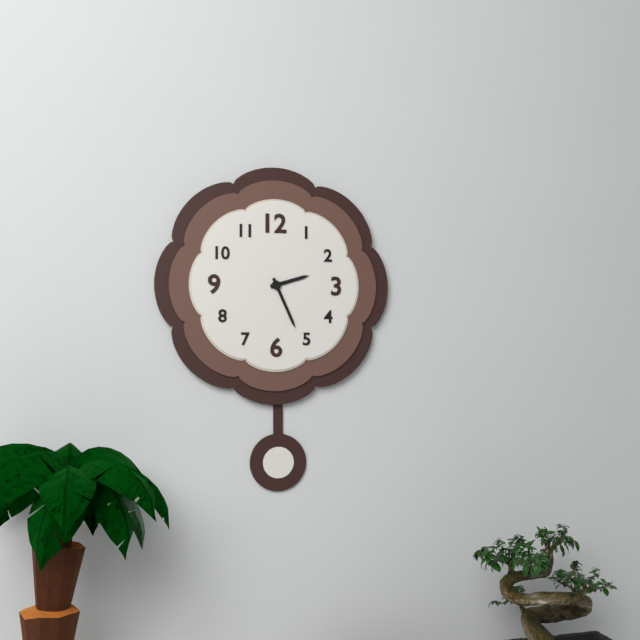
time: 2:26
